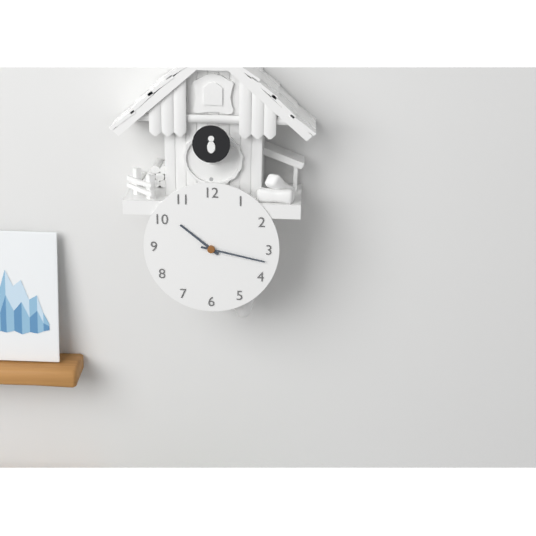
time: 10:17
